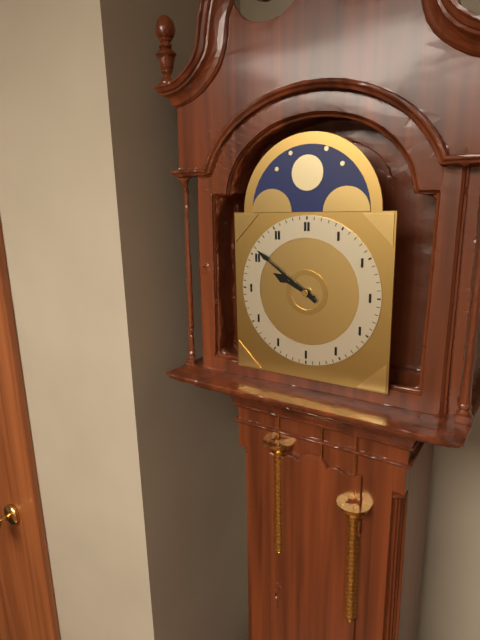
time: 9:51
